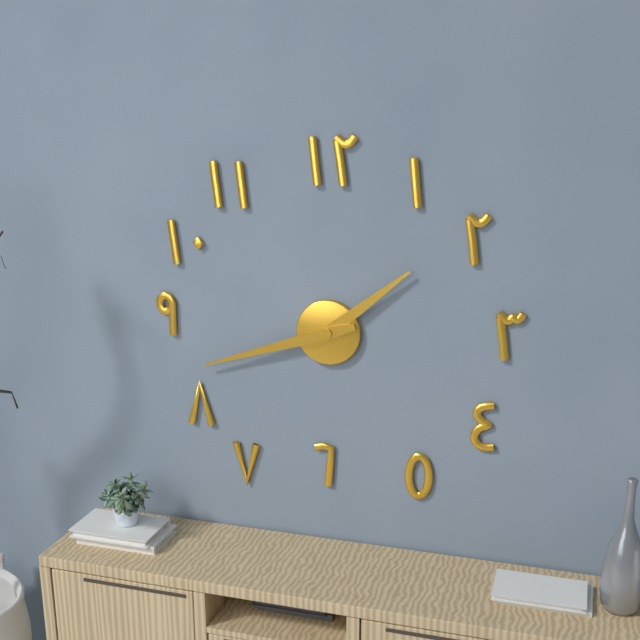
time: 1:42
